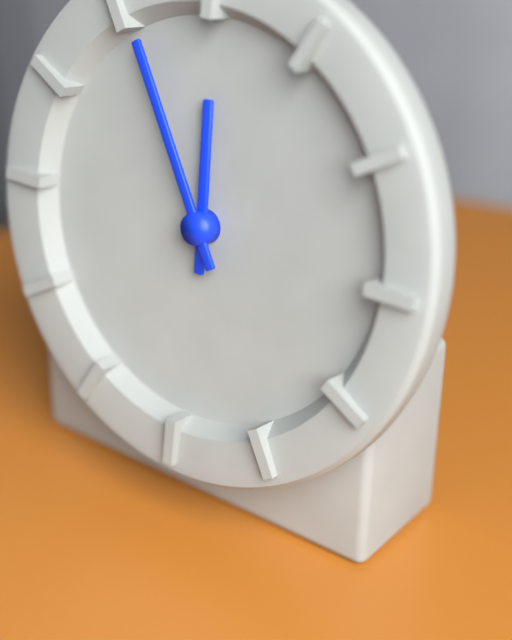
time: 11:55
